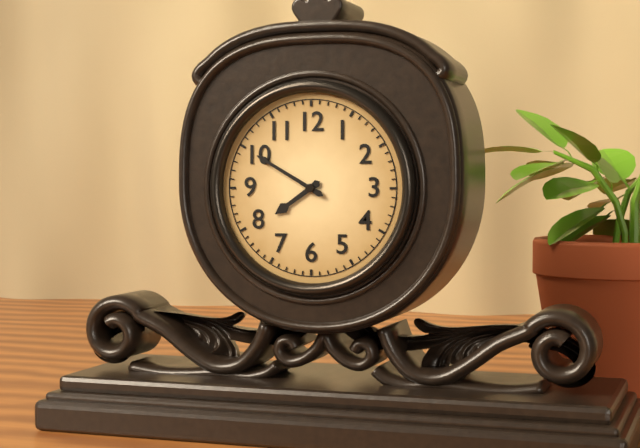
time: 7:50
